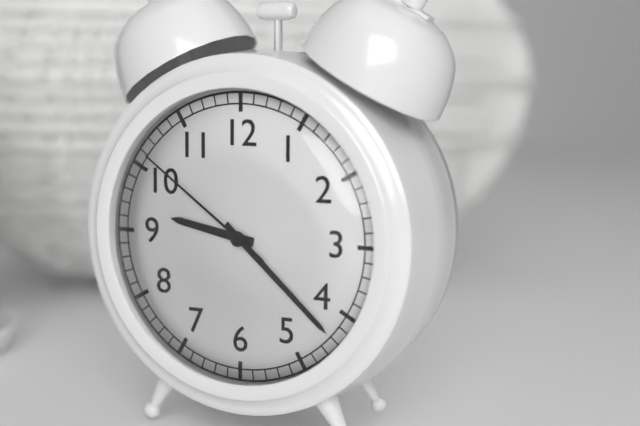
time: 9:22:51
